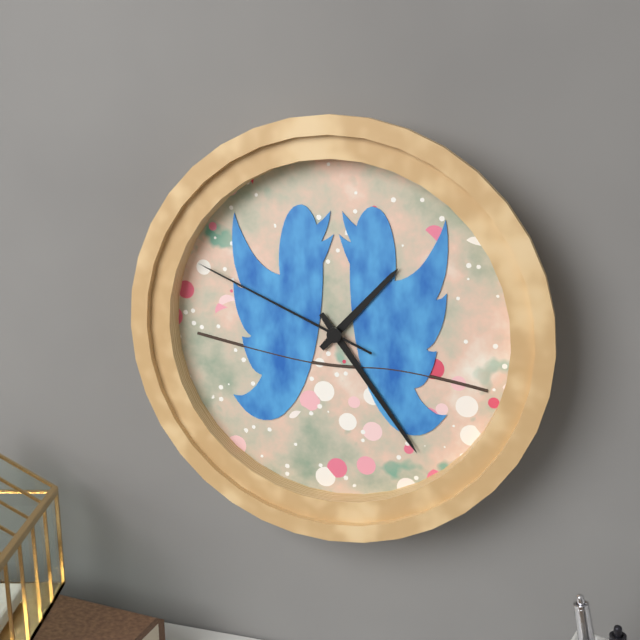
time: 1:24:49
